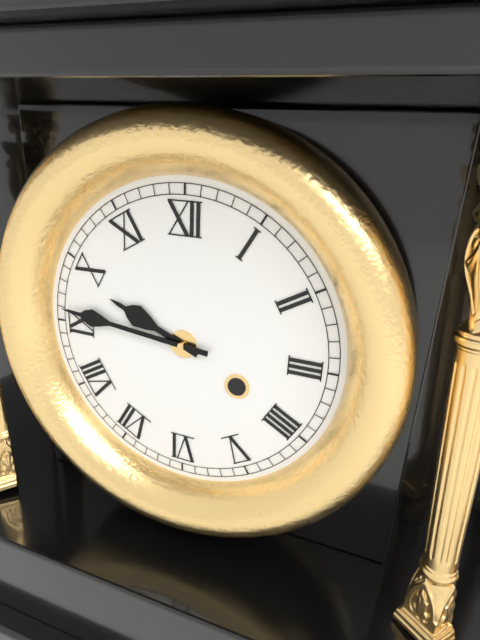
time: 9:46
